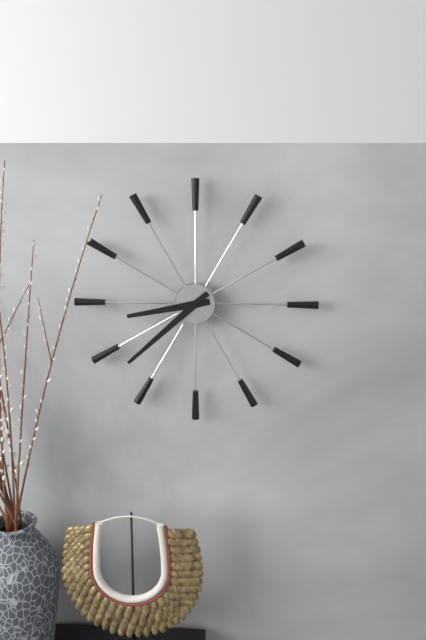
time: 8:38
